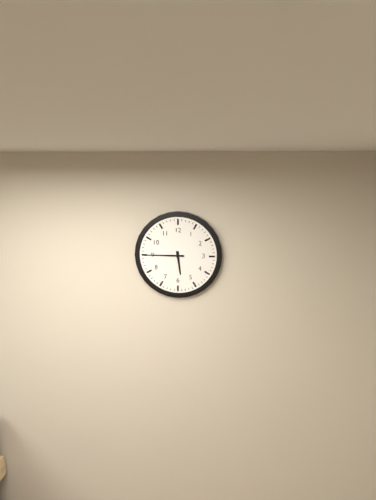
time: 5:45
